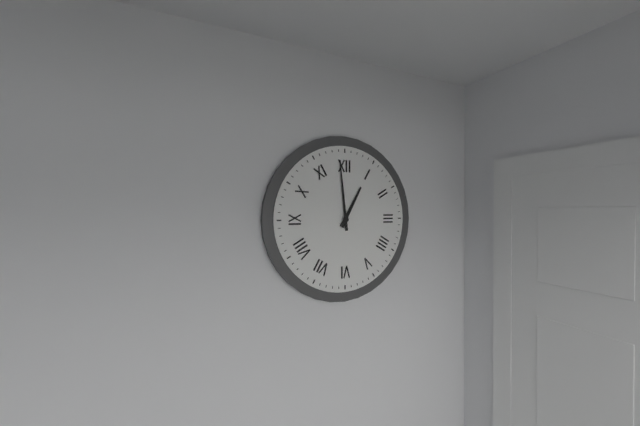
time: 12:59
